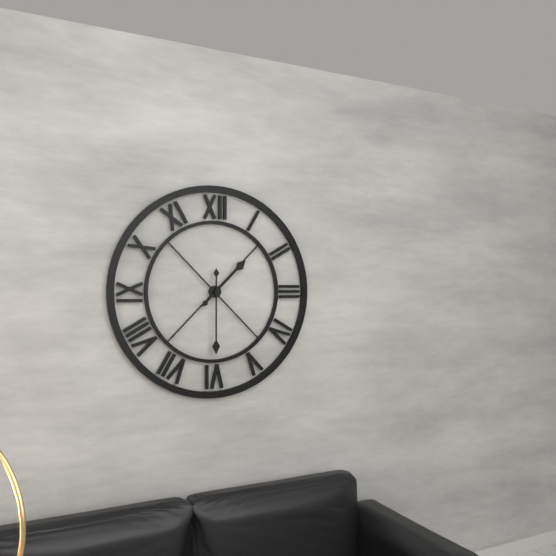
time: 1:30
